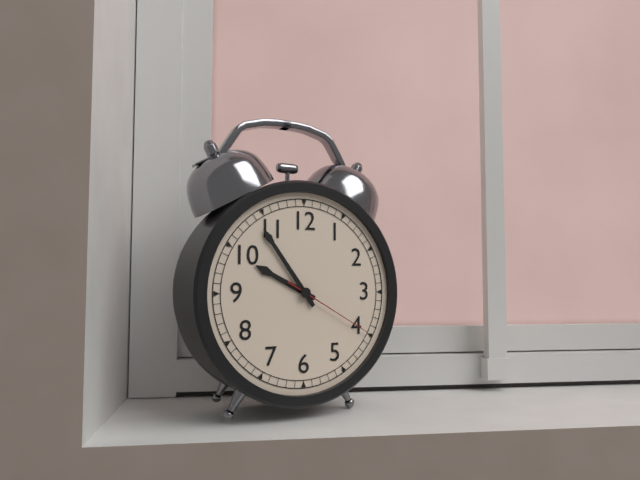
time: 9:54:20
